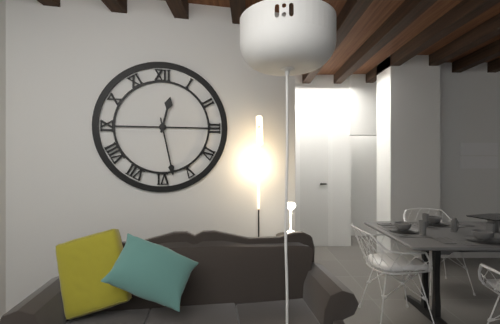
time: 12:28
